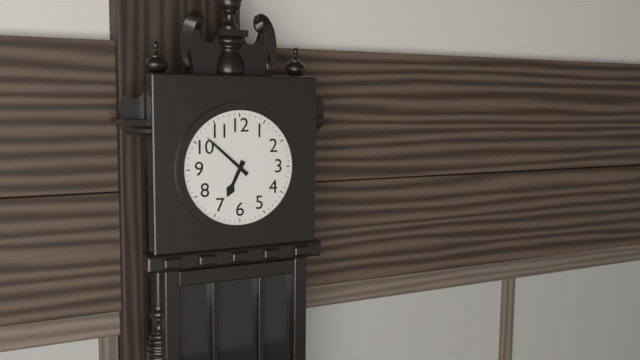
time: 6:52
